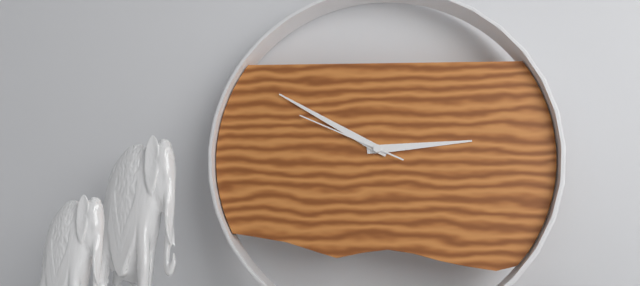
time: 2:50:49
